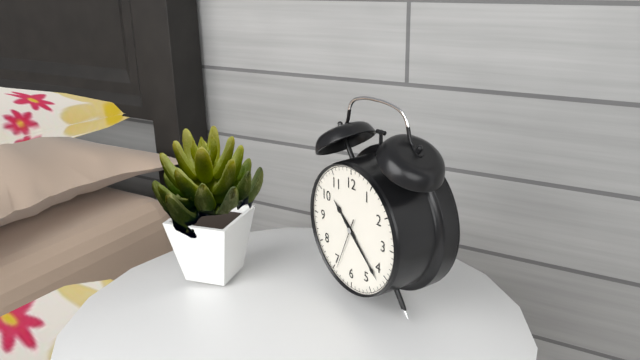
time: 10:22
